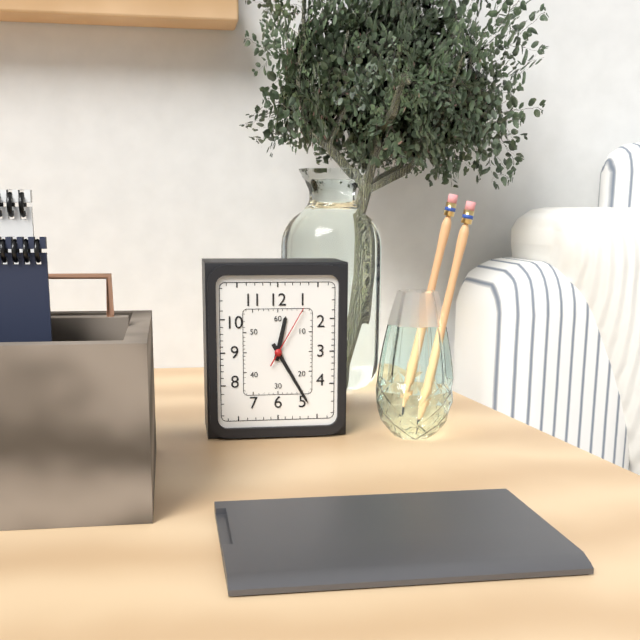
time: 12:25:05
